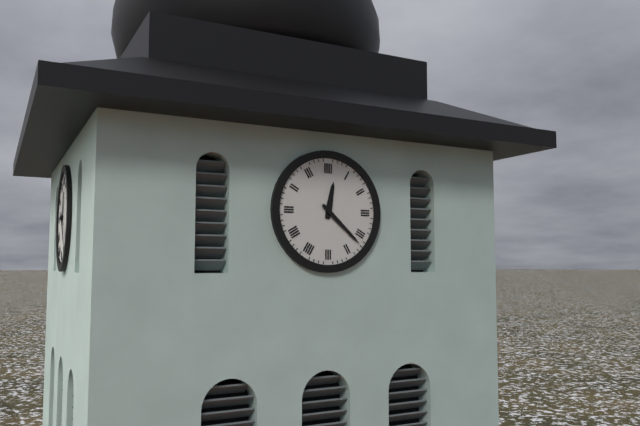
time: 12:22
